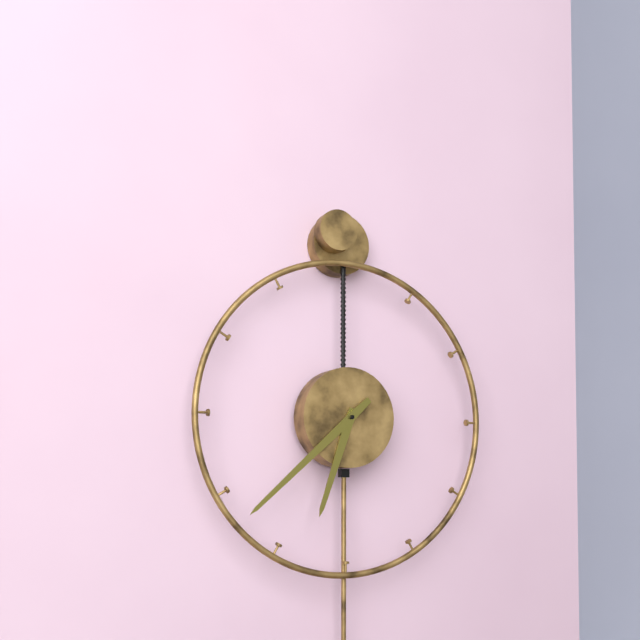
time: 6:38
